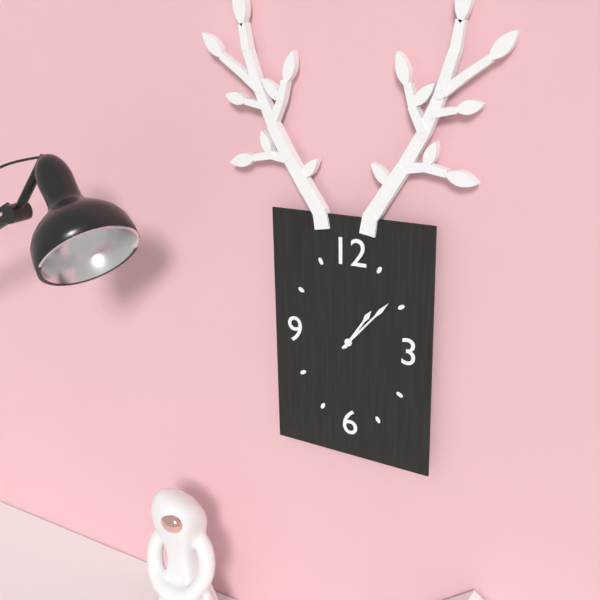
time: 1:07
